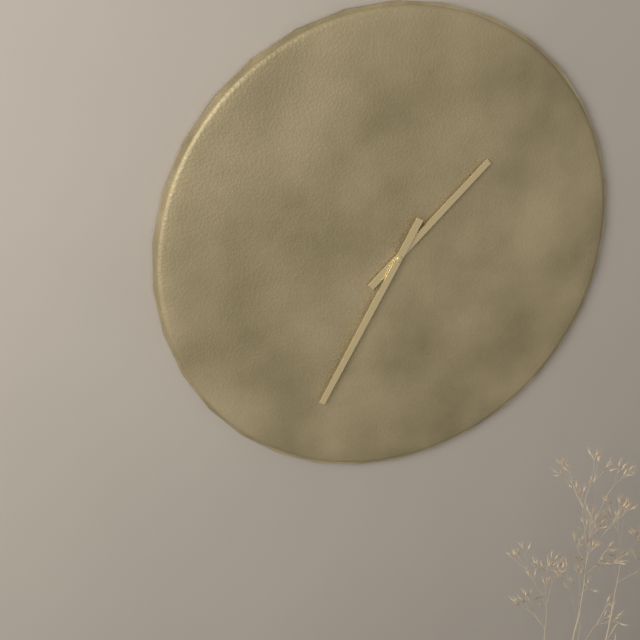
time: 1:35
